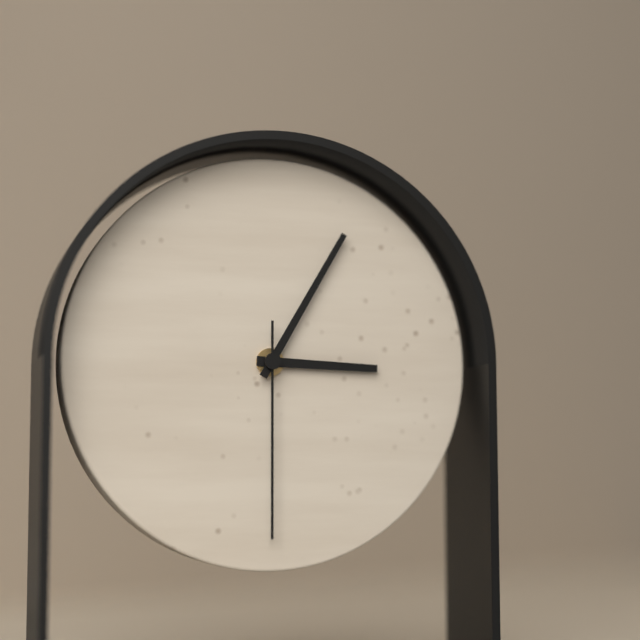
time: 3:05:30
